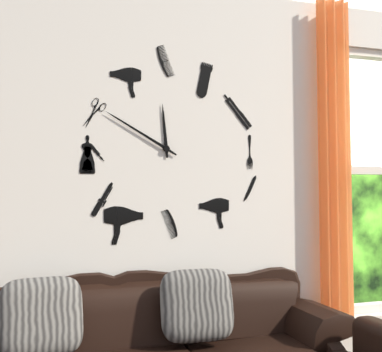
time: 11:50
